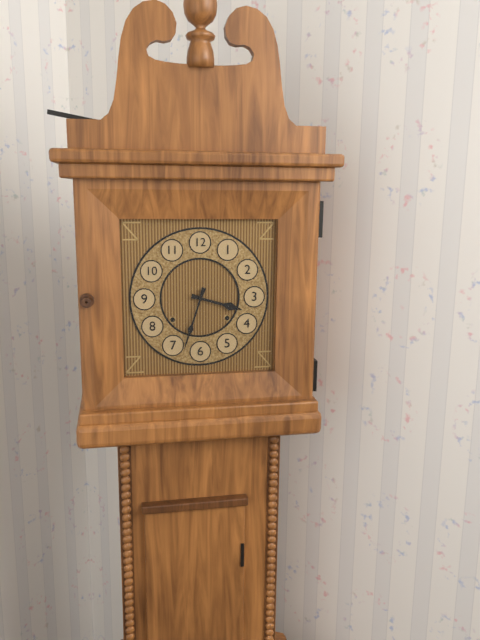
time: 3:33
